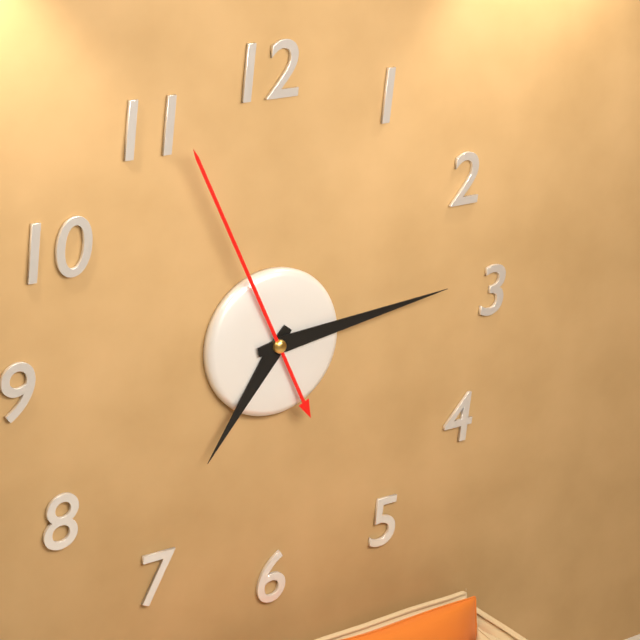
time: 7:14:56
